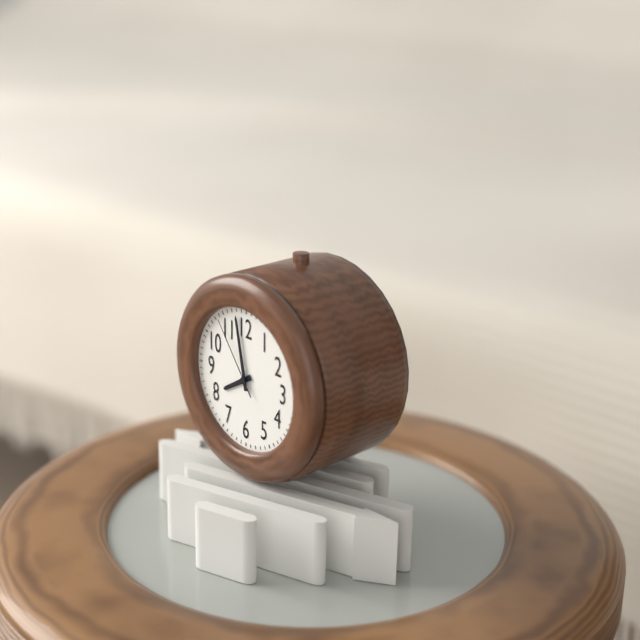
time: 7:58:54
